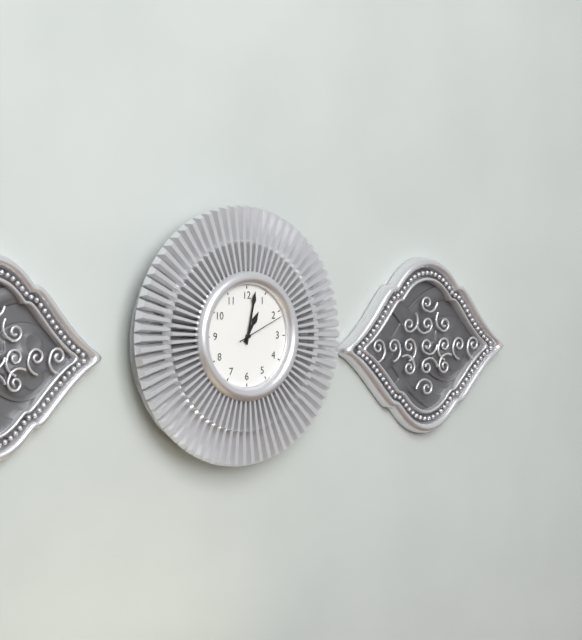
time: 1:02
